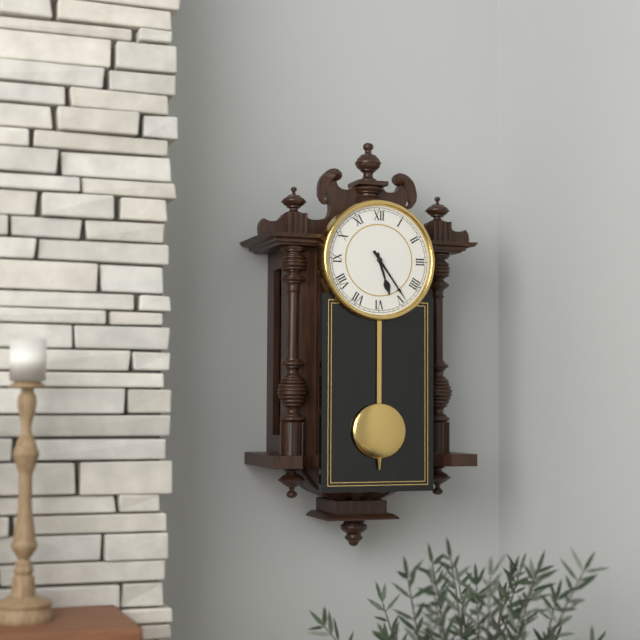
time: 5:24
